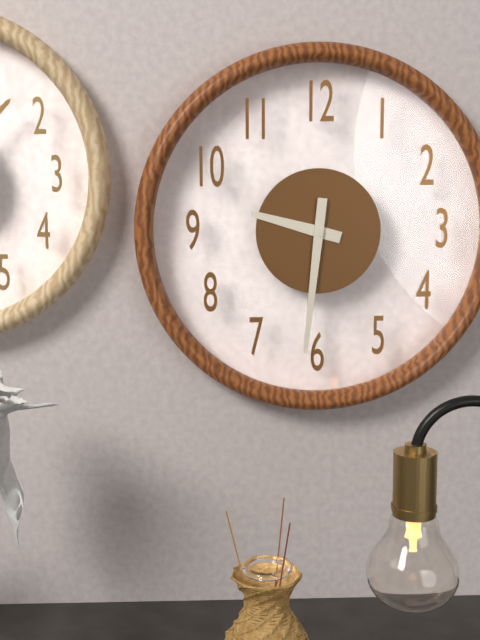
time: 9:31
